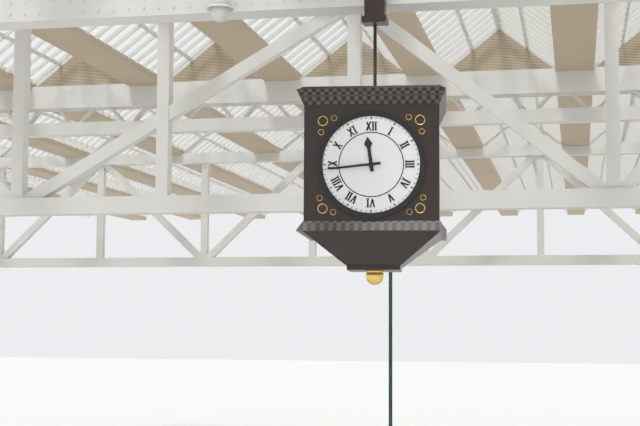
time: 11:44
